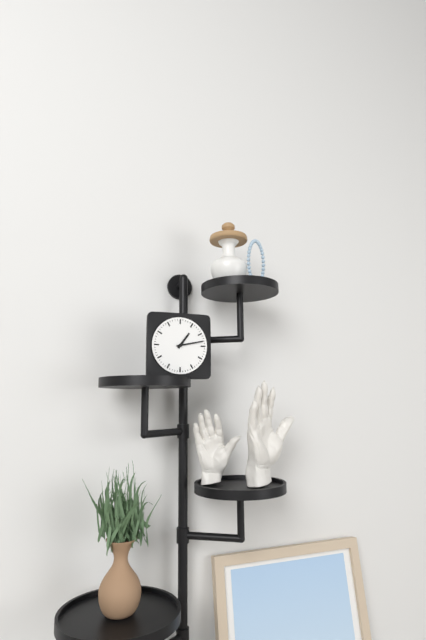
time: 1:13
